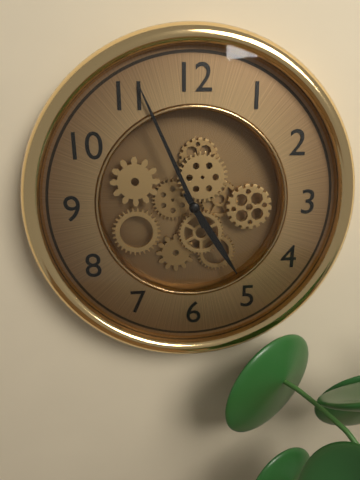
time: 4:56
